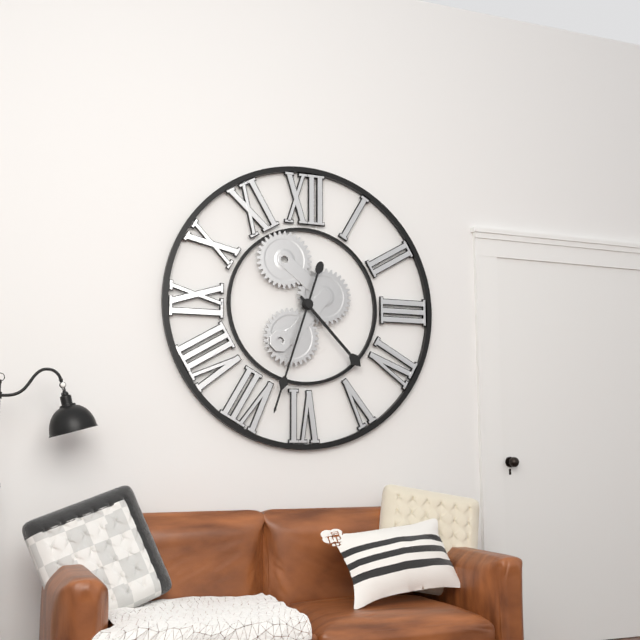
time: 4:33
